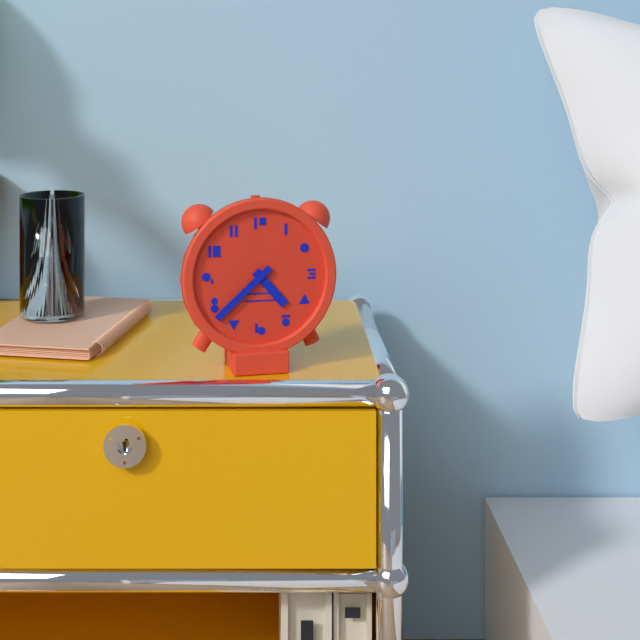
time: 4:38
